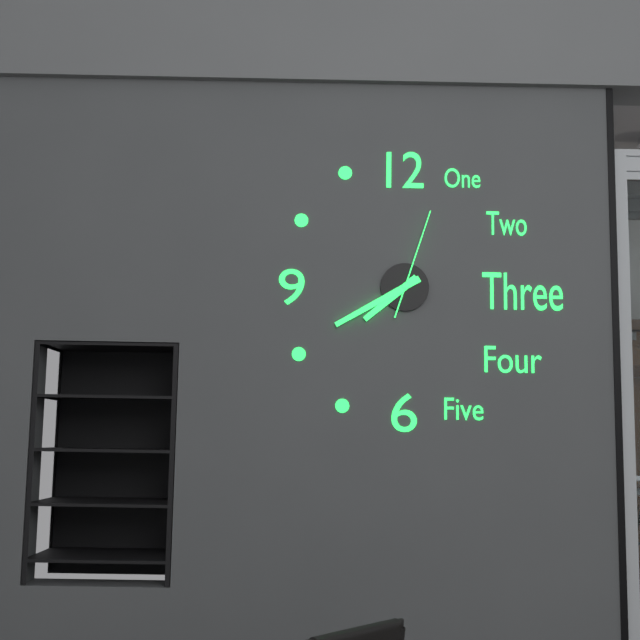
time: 7:40:03
